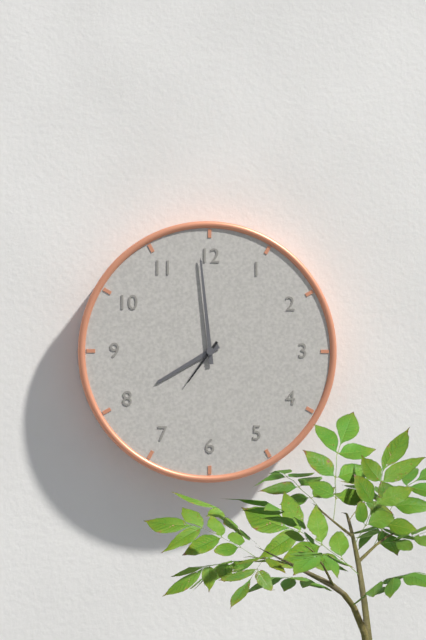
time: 7:59
